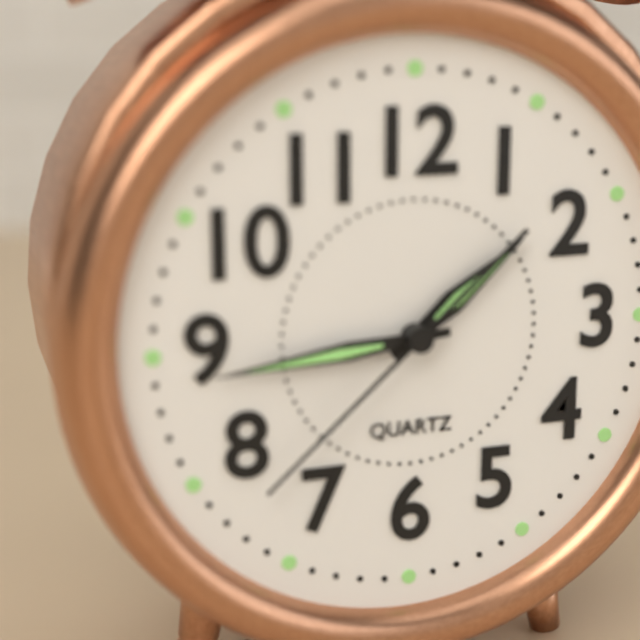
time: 1:44:38
